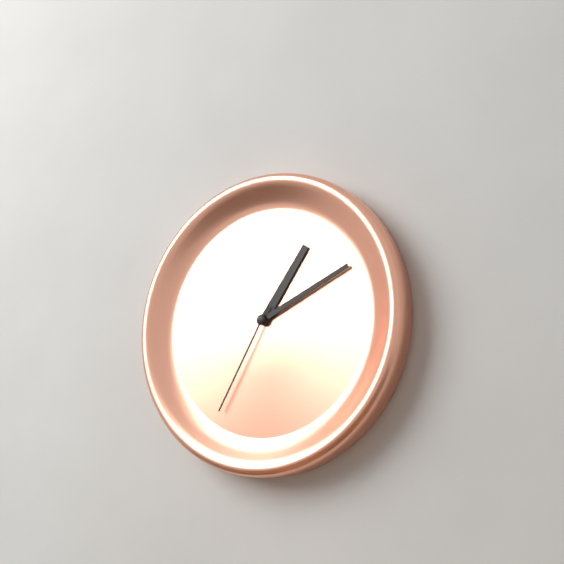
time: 1:11:35
